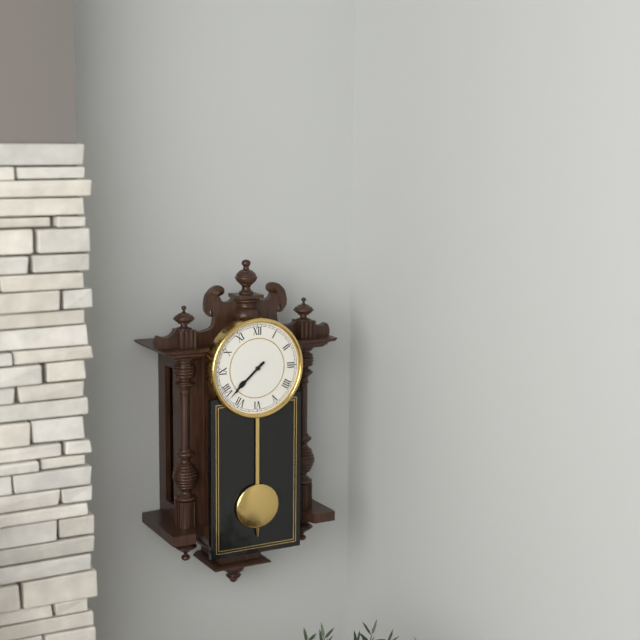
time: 7:38
